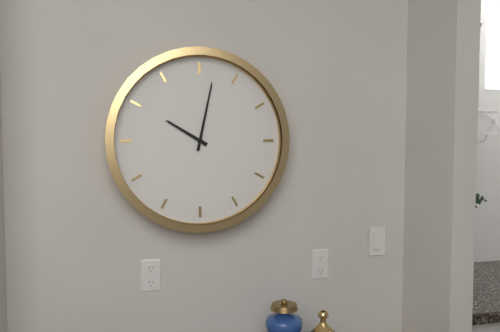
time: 10:02
